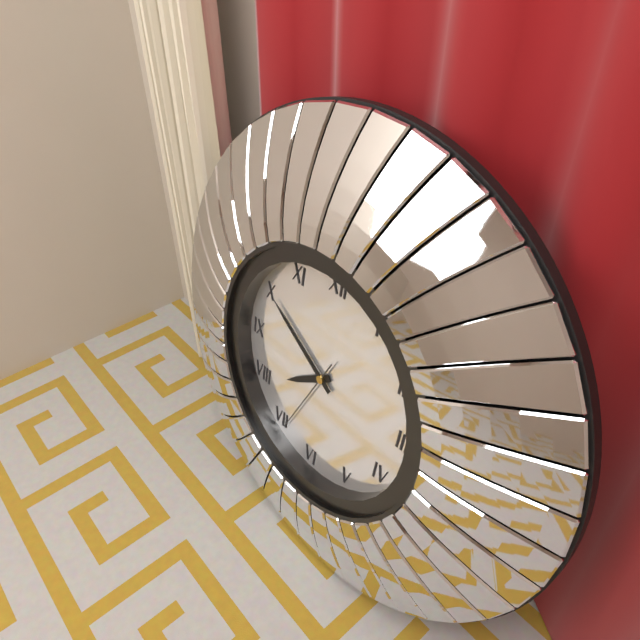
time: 7:50:34
